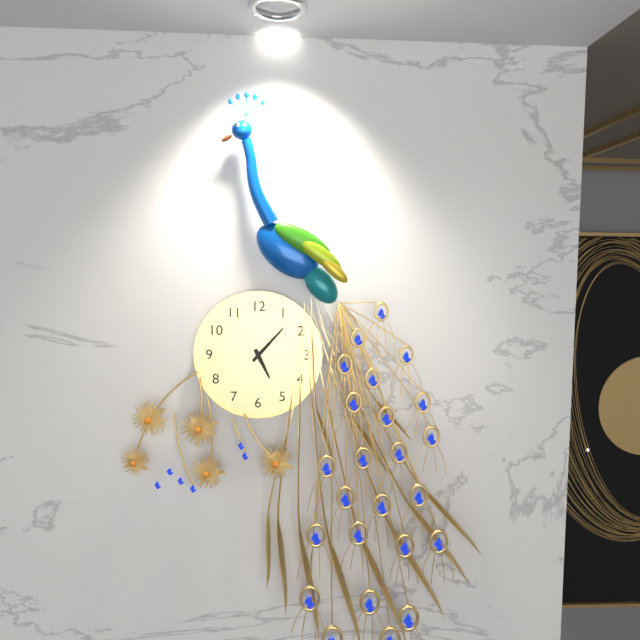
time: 5:07
